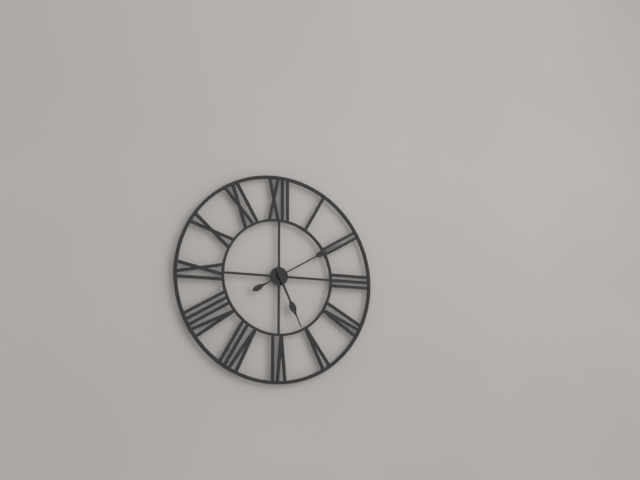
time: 5:10
